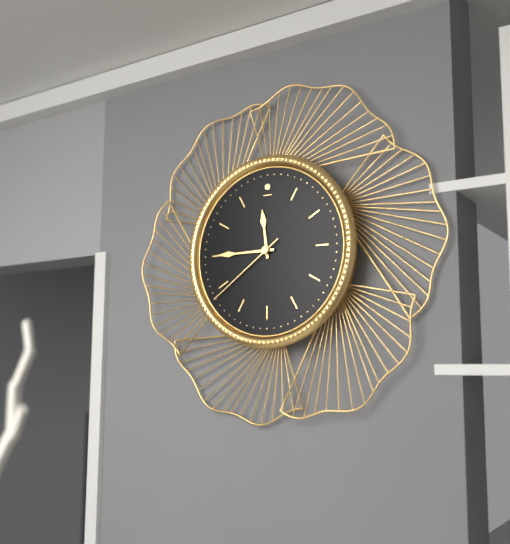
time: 11:45:39
